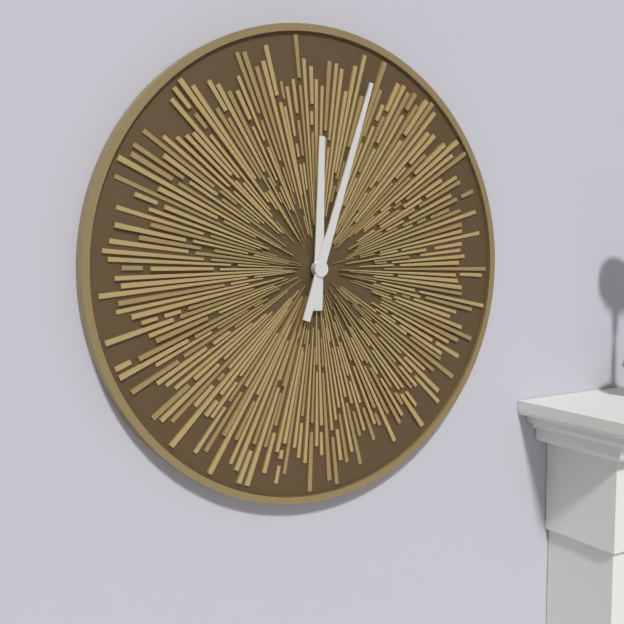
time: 12:03
